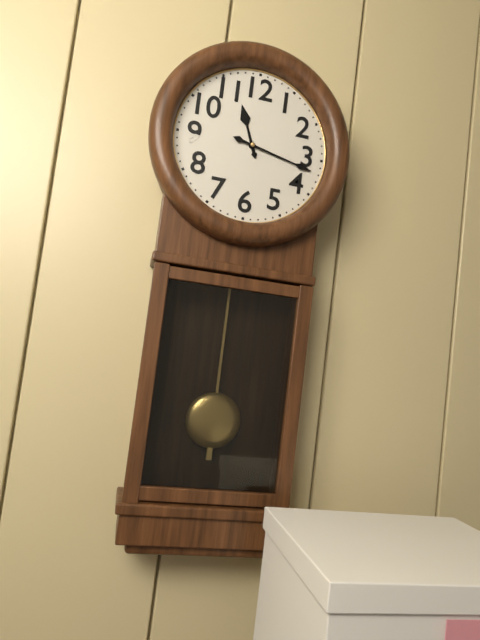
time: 11:17
